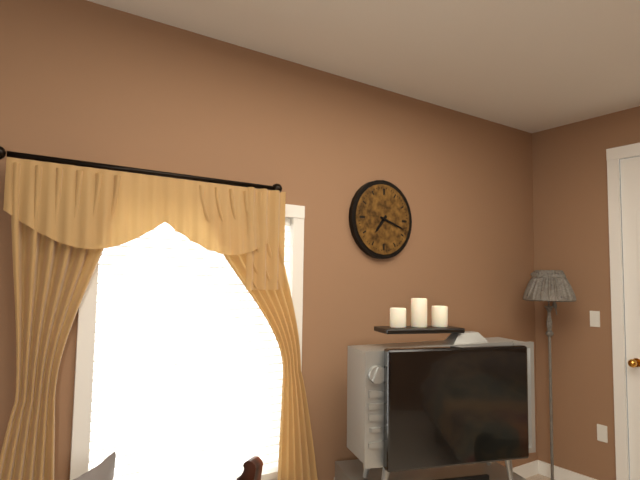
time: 7:18
